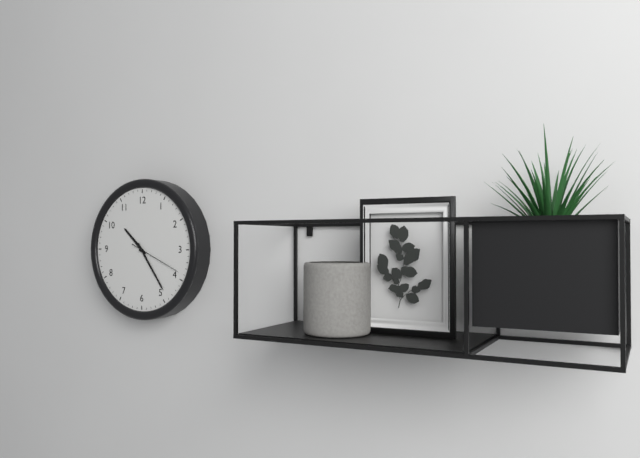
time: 10:24:19
